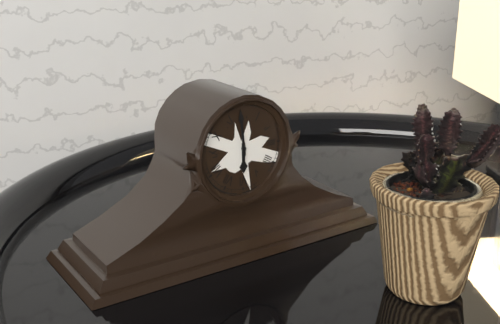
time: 5:59
